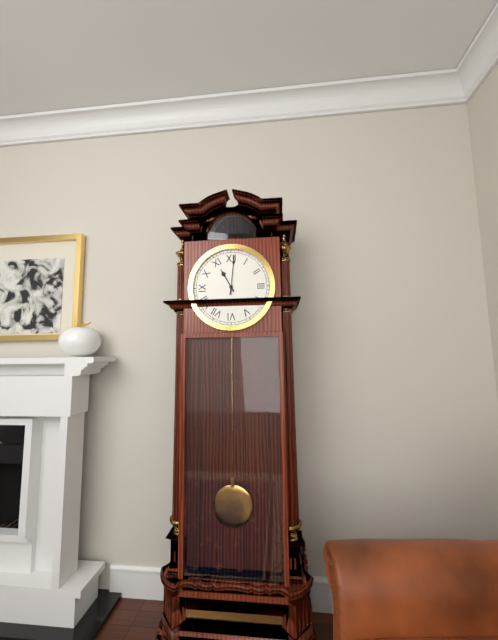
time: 11:01
